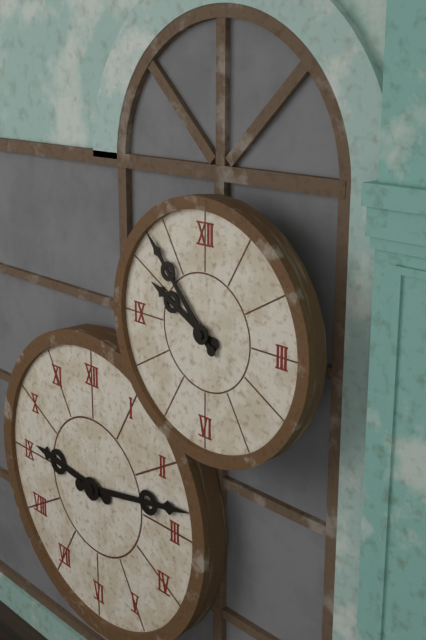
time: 9:53
